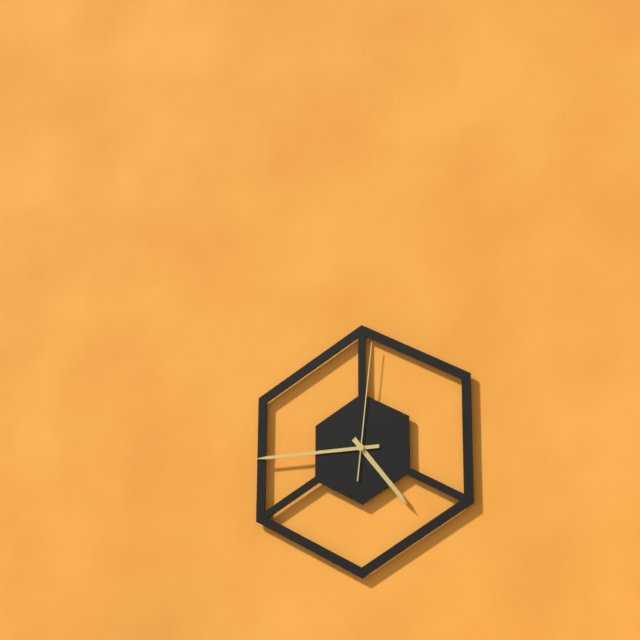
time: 4:45:01
